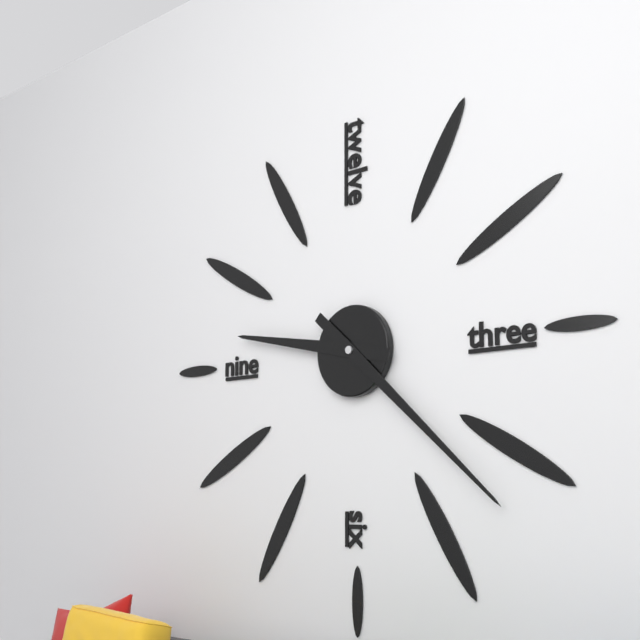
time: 9:22
